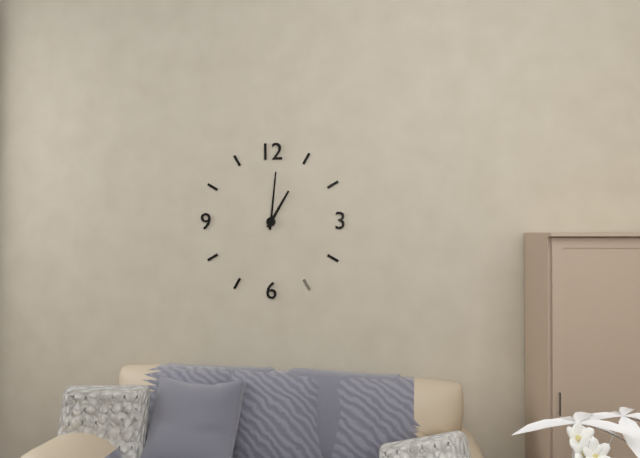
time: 1:01
